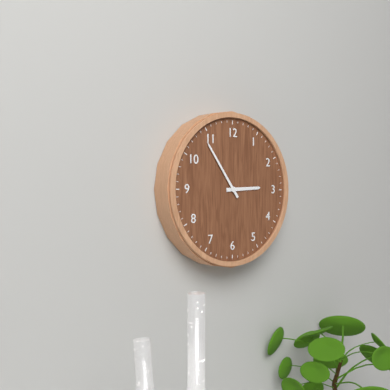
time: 2:54
